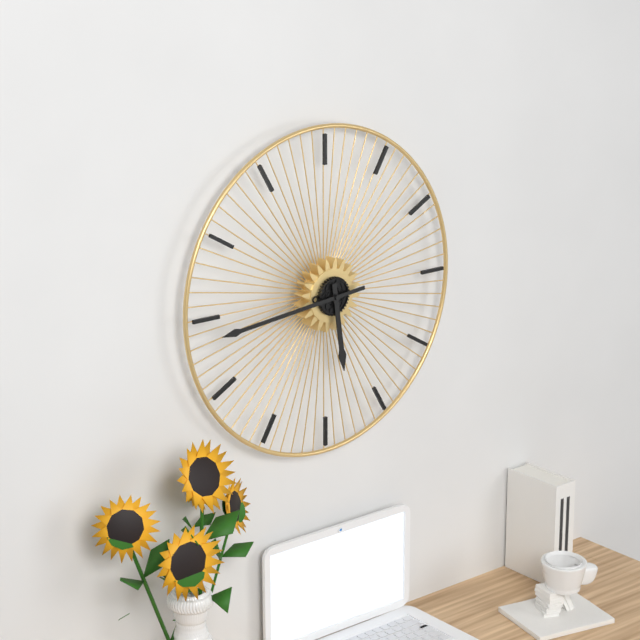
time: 5:44
